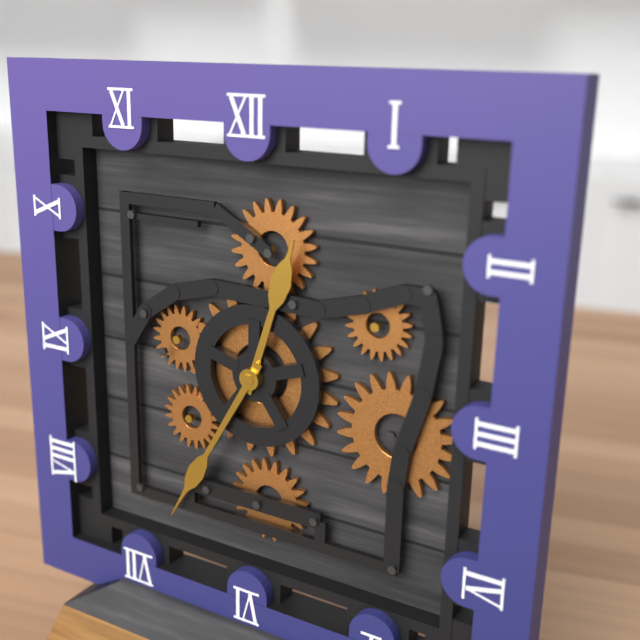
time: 12:35
